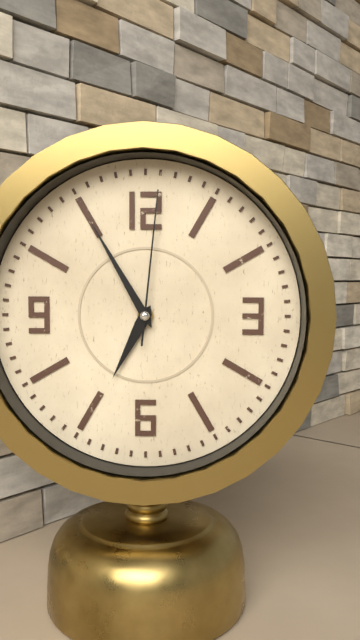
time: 6:55:01
